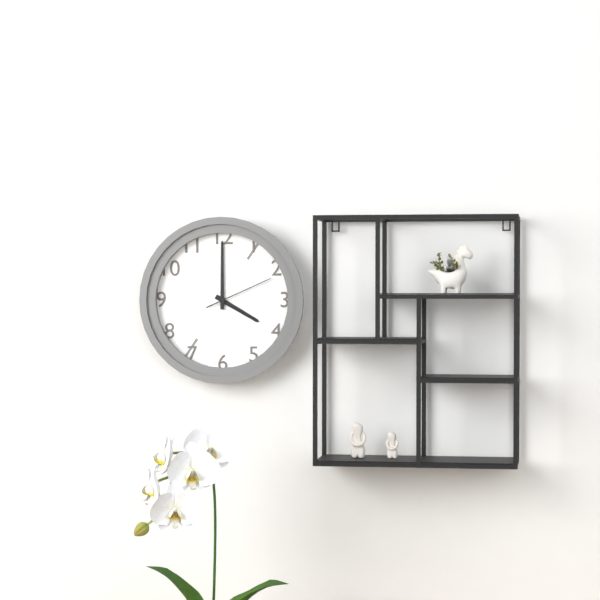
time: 4:00:11
